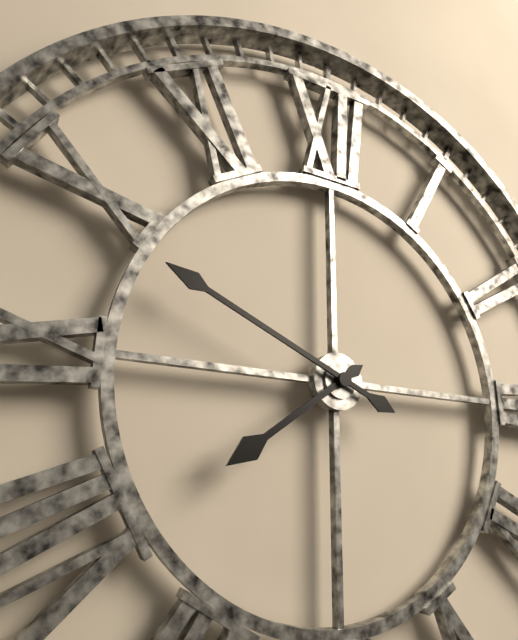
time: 7:49
